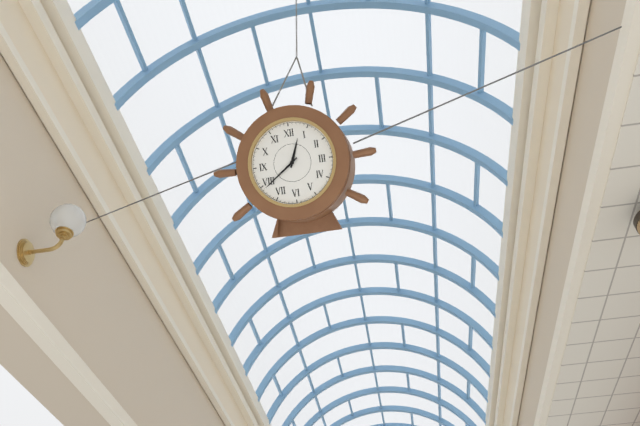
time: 12:39
